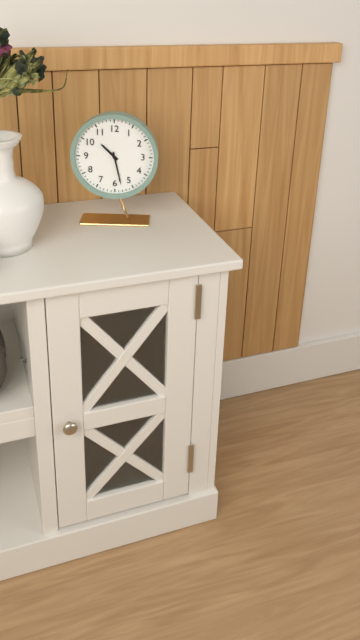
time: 10:28
